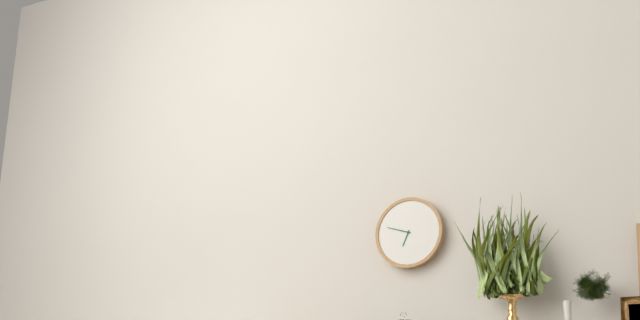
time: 6:48
